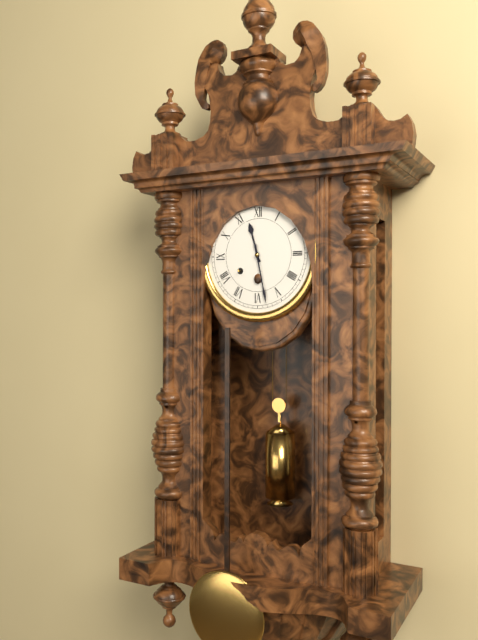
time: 11:28
